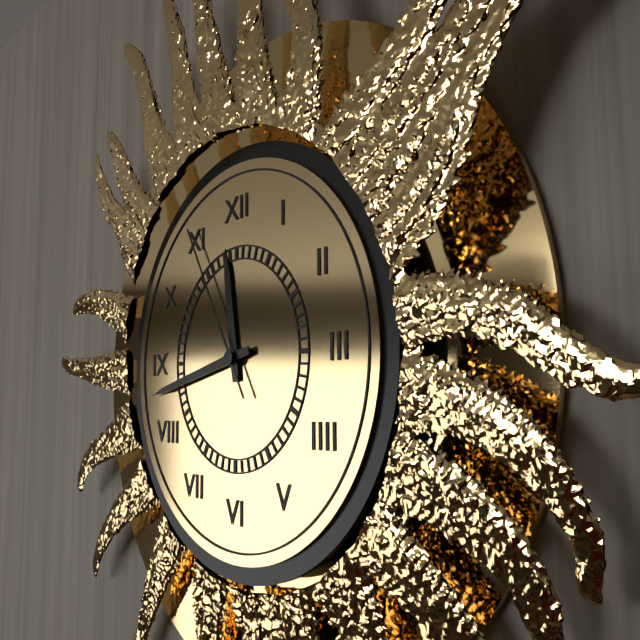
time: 11:43:55
